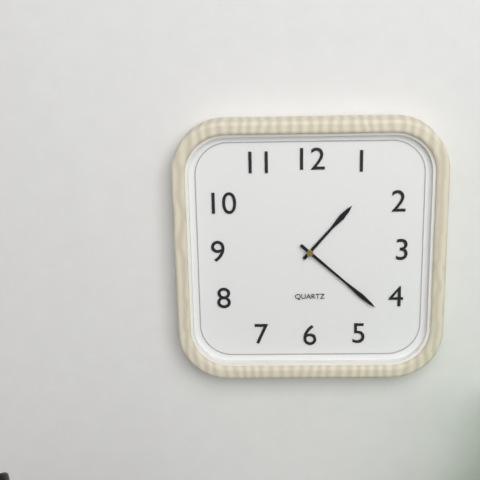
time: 1:22
